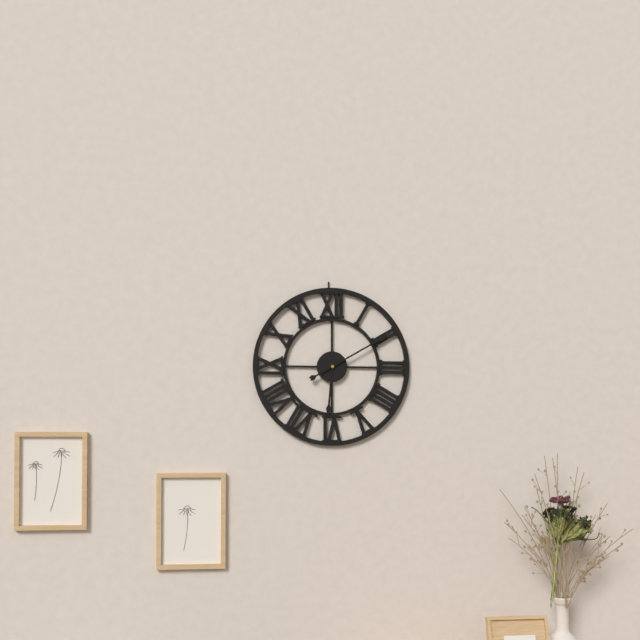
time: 6:10
